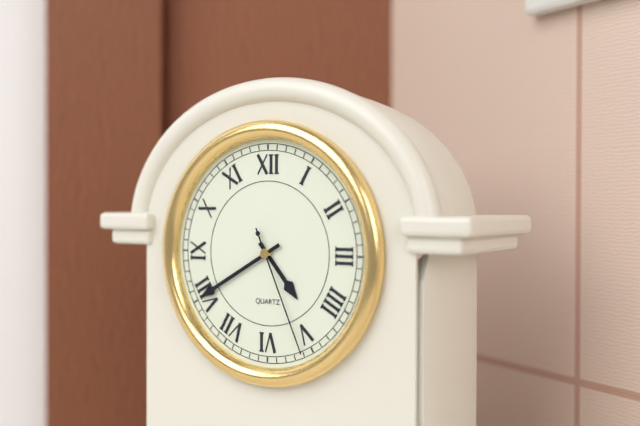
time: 4:40:26
